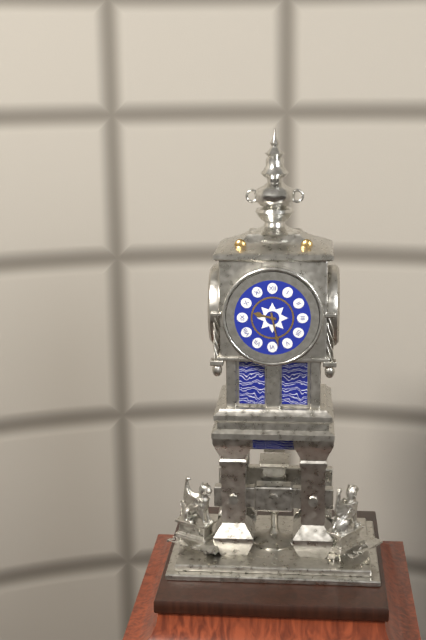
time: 9:28
